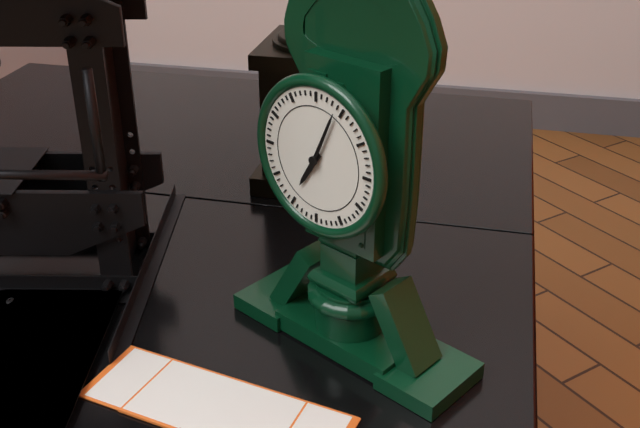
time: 7:04
